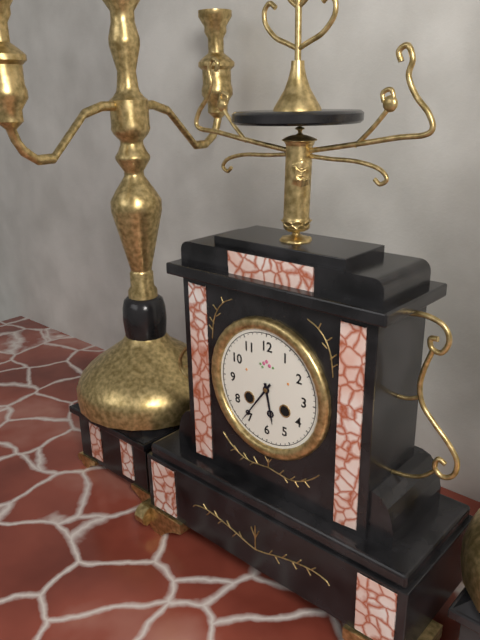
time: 5:36
